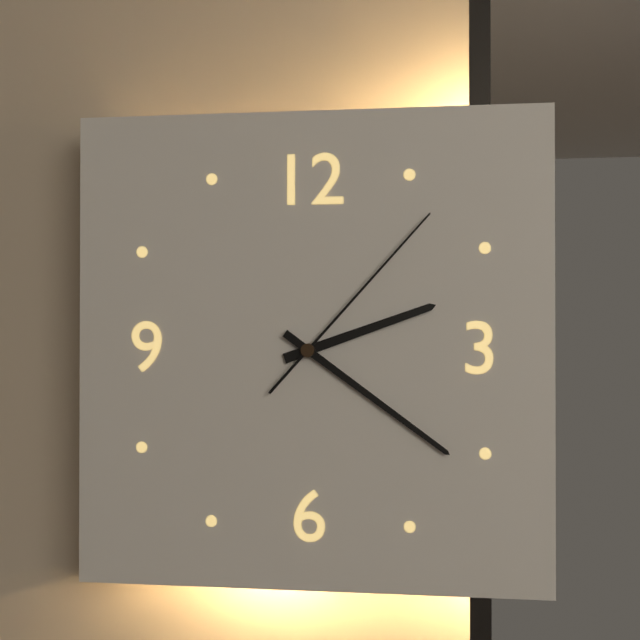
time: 2:21:07
